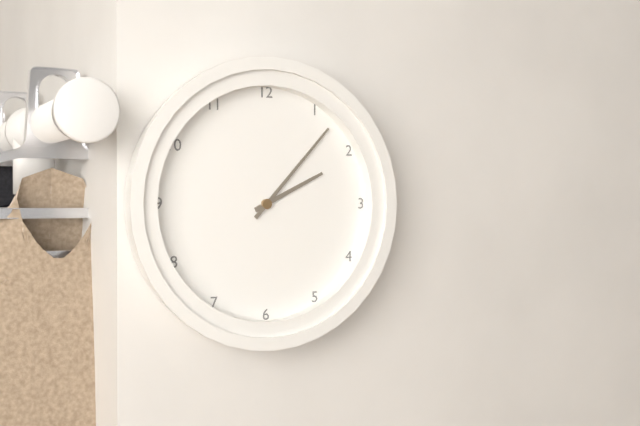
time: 2:07
